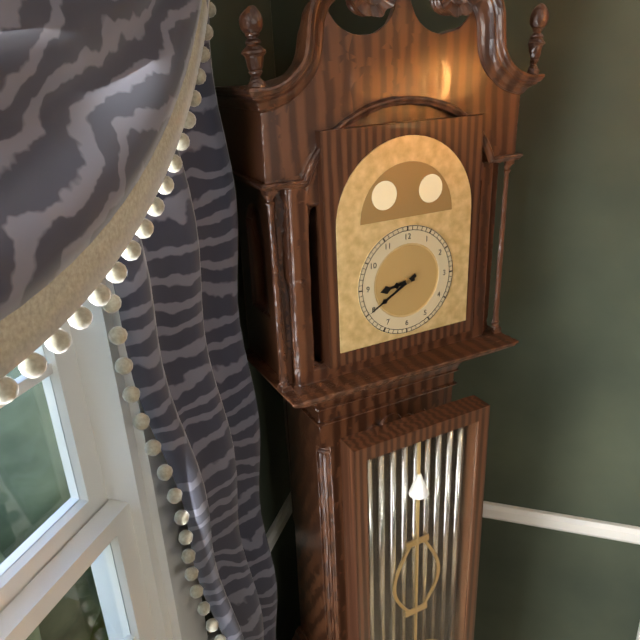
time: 8:40
